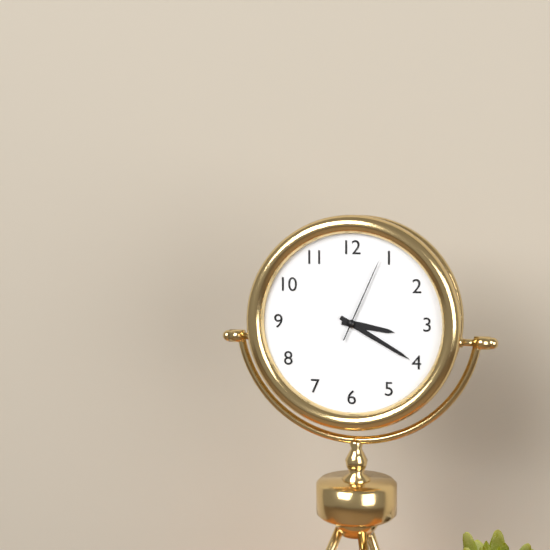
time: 3:20:04
